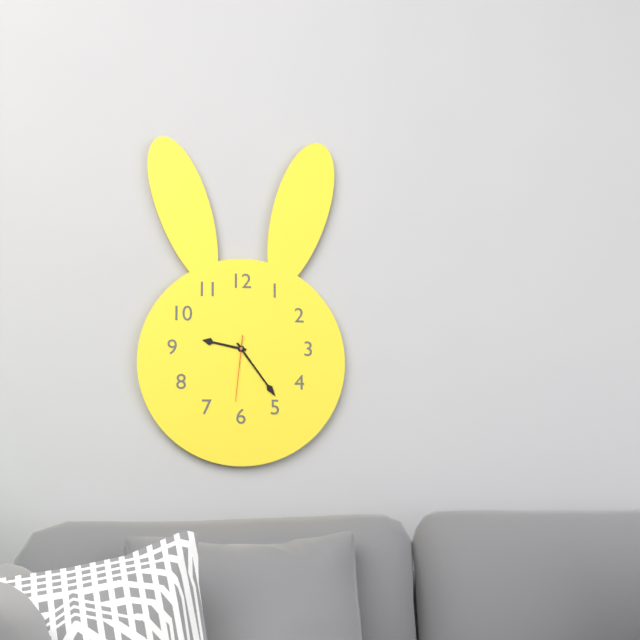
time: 9:24:31
